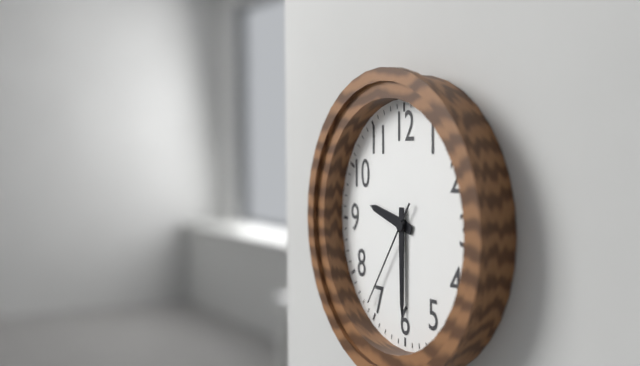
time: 9:30:36
